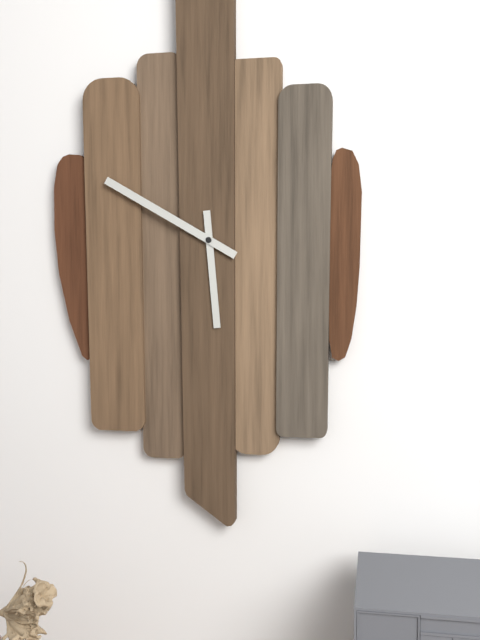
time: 5:50
